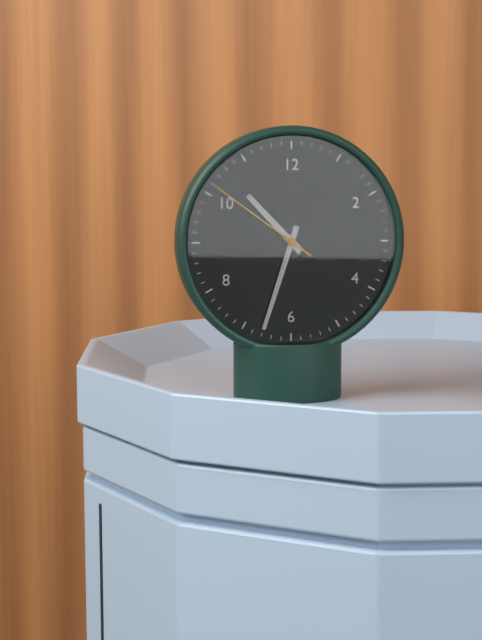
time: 10:33:51
